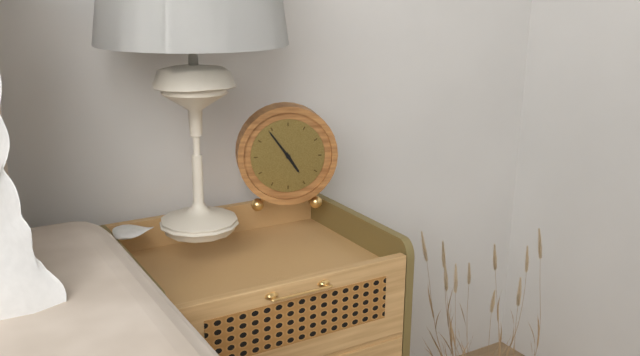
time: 4:54
